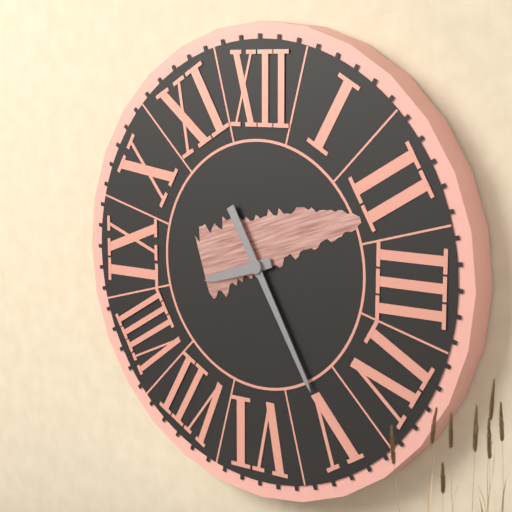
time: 8:25
